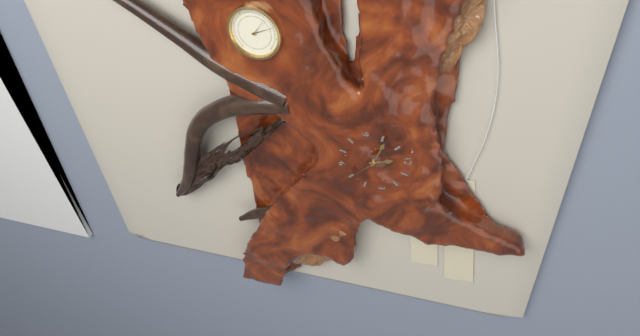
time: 11:51
